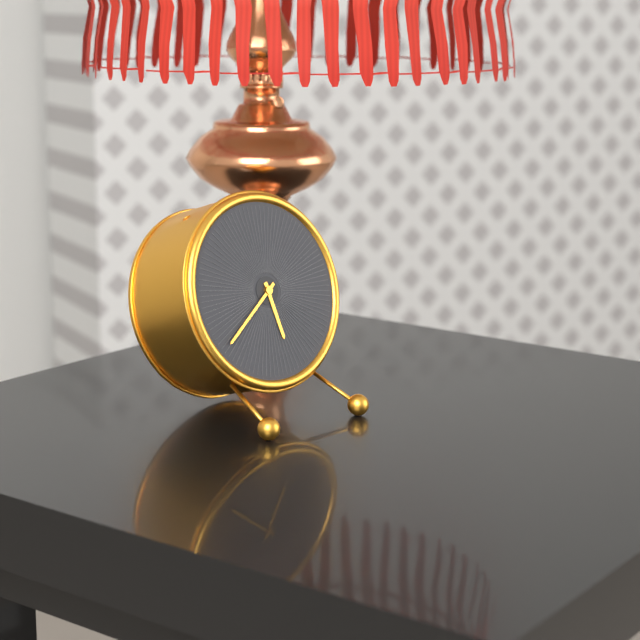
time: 5:39
